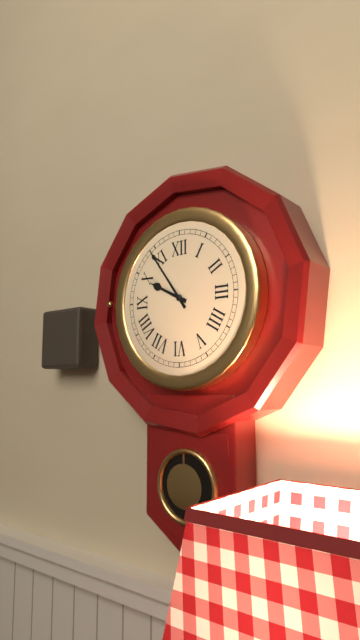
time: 9:54
